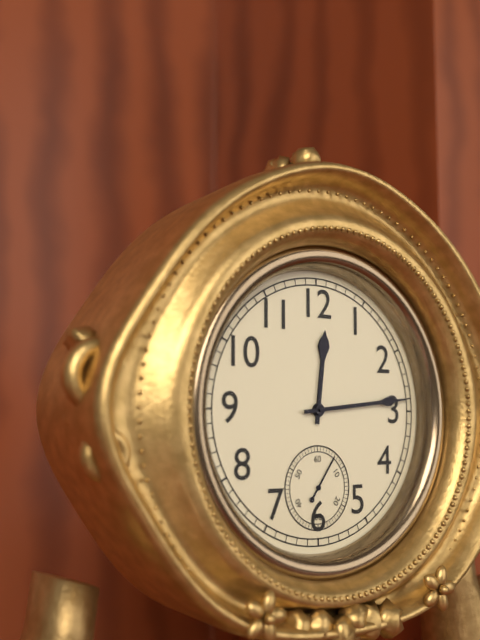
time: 12:14
